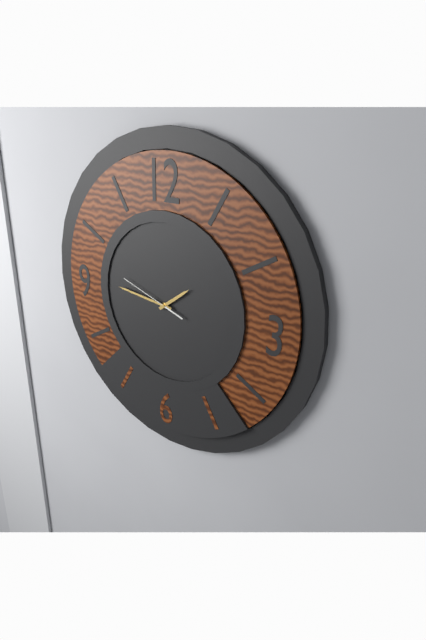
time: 1:46:48
